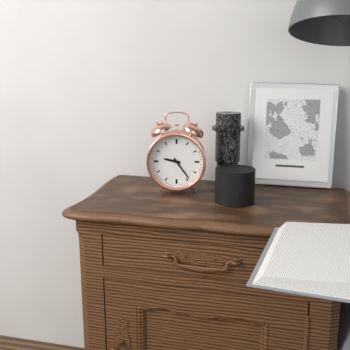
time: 9:24
